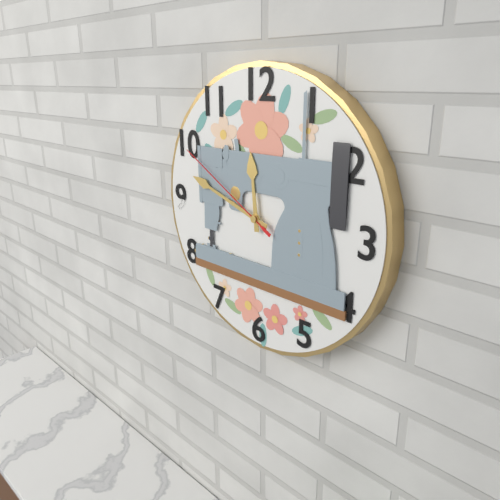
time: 11:48:50
